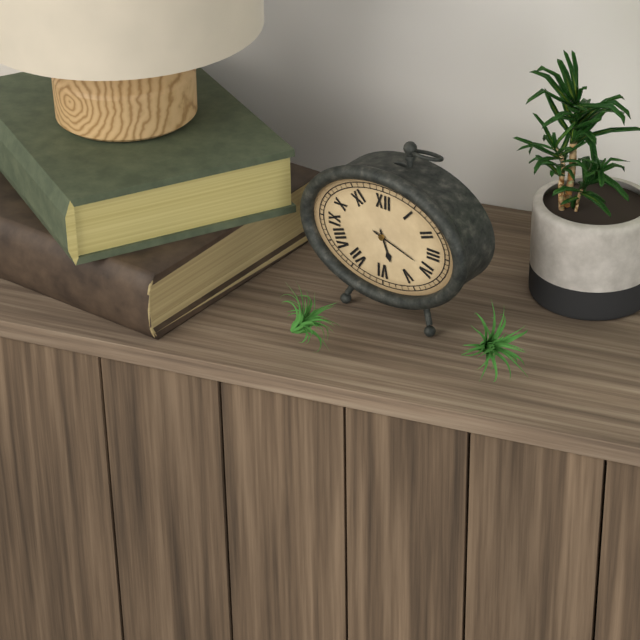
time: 5:18
